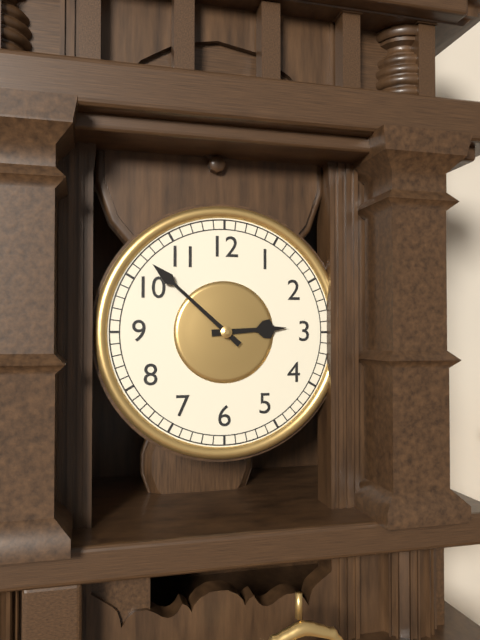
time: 2:52
